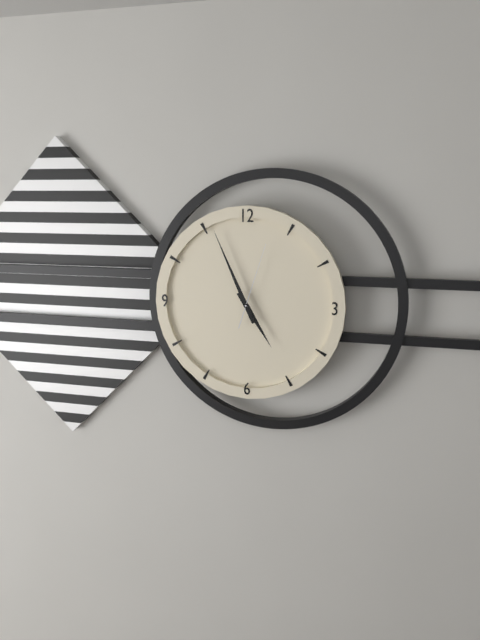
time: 4:56:03
